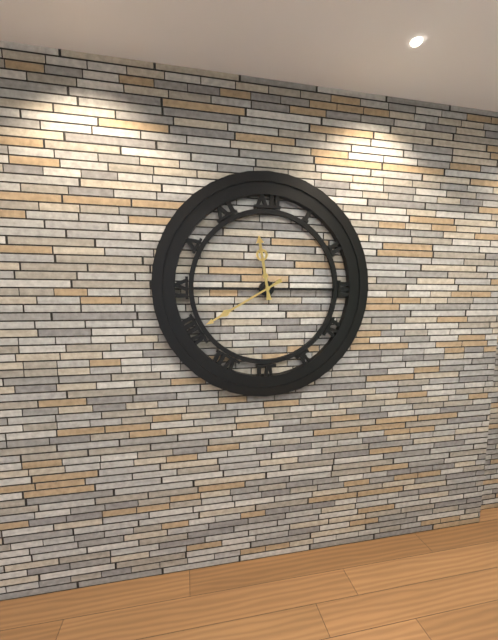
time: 11:40
